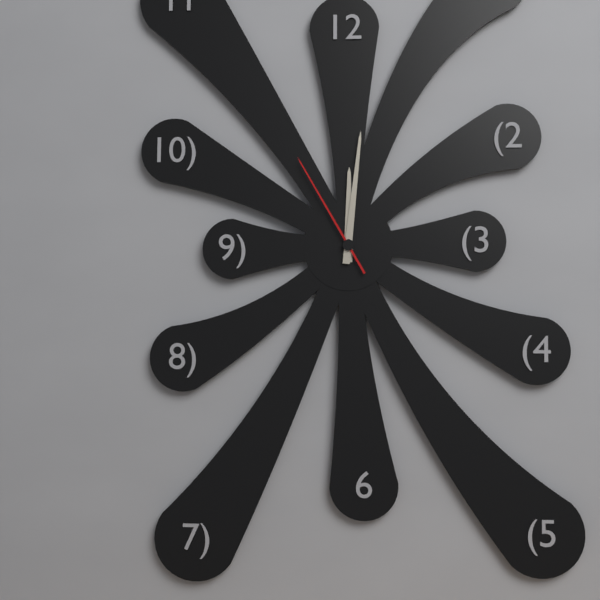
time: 12:01:55
